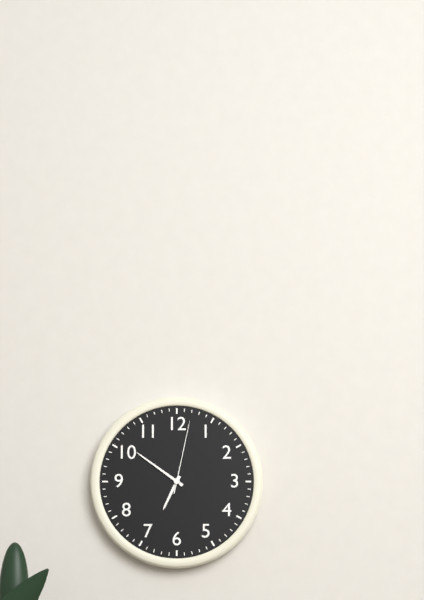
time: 6:51:02
